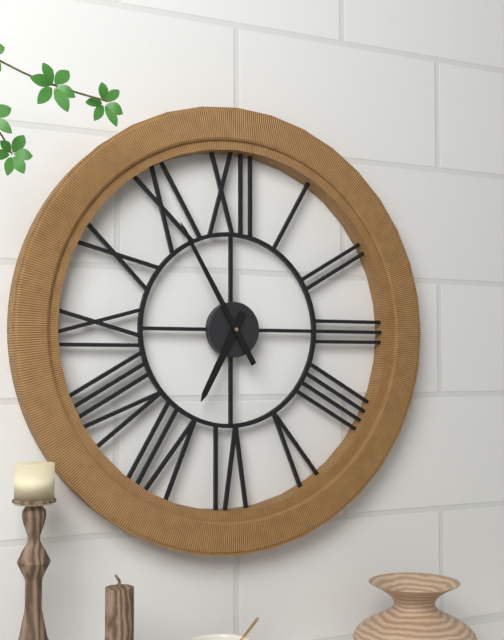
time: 6:55
